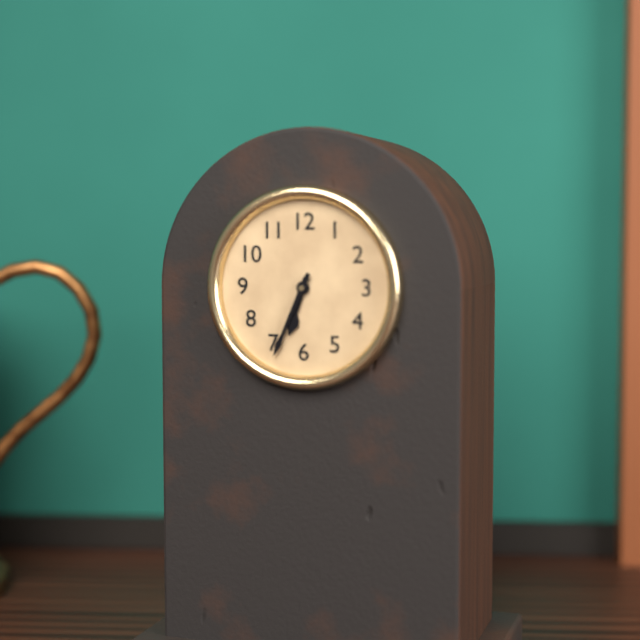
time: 6:34
